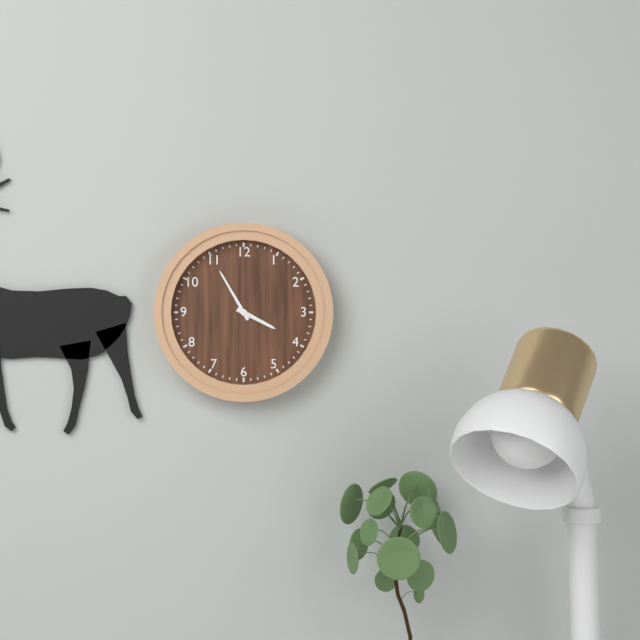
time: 3:55
